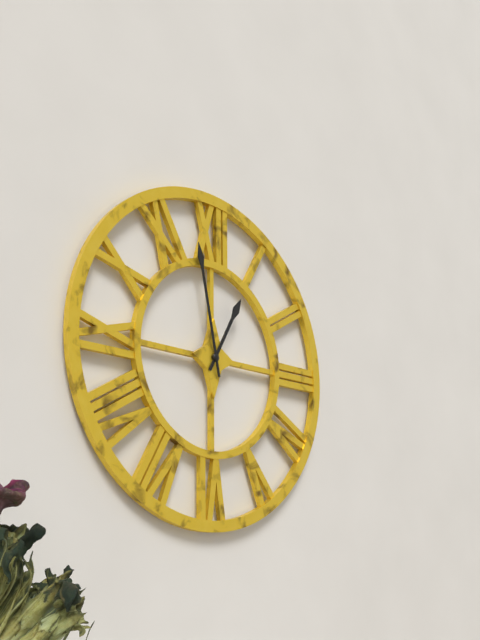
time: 12:58
